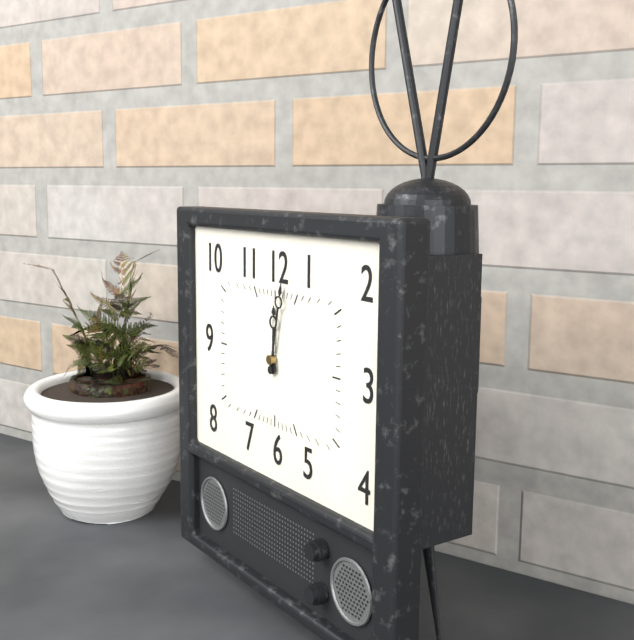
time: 12:02
